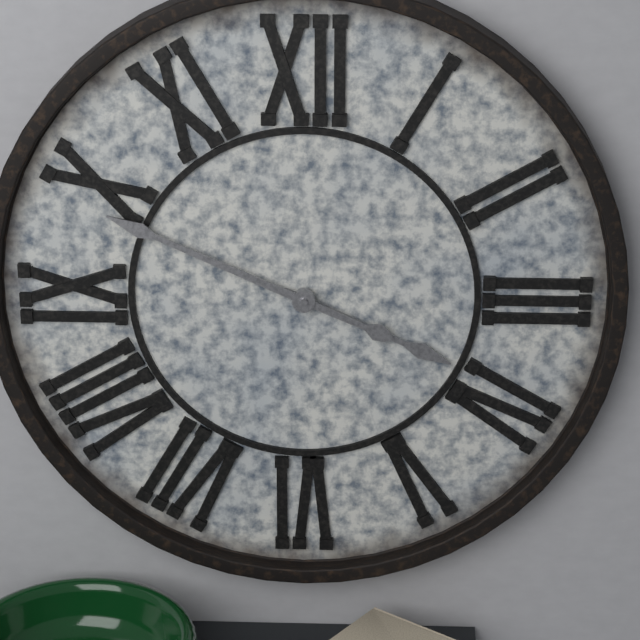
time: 3:49
